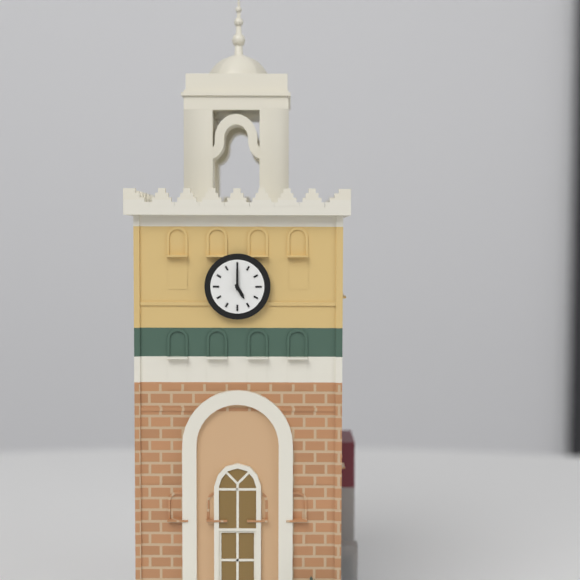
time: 5:00
